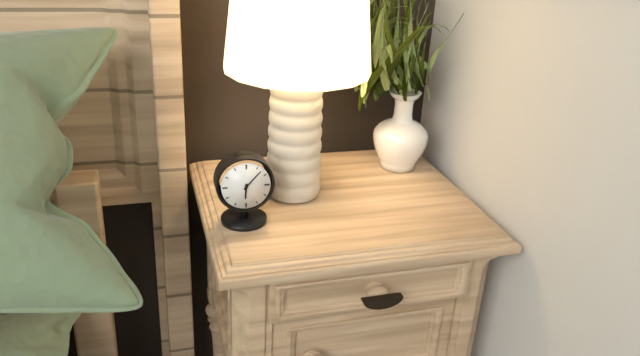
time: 6:07
